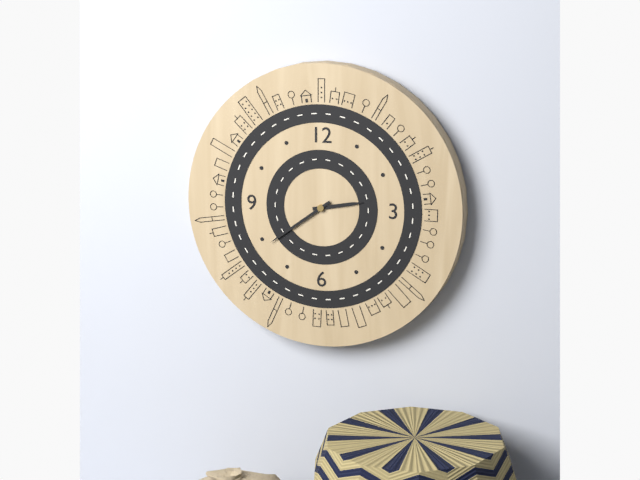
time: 2:39
